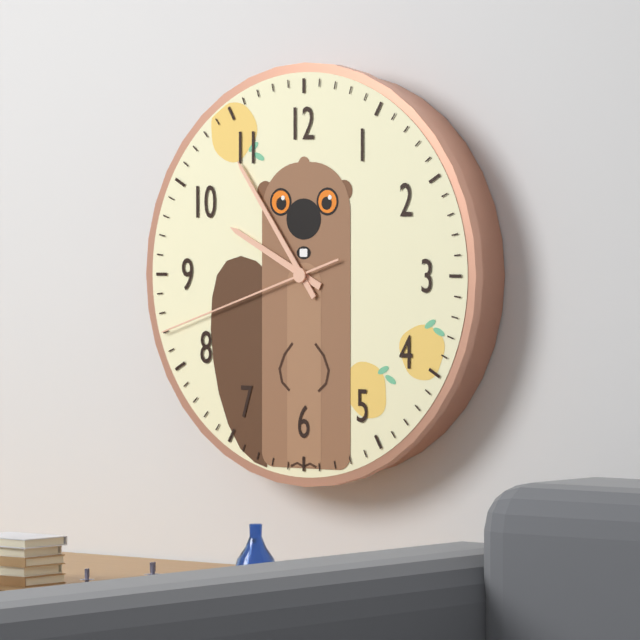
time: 9:54:42
